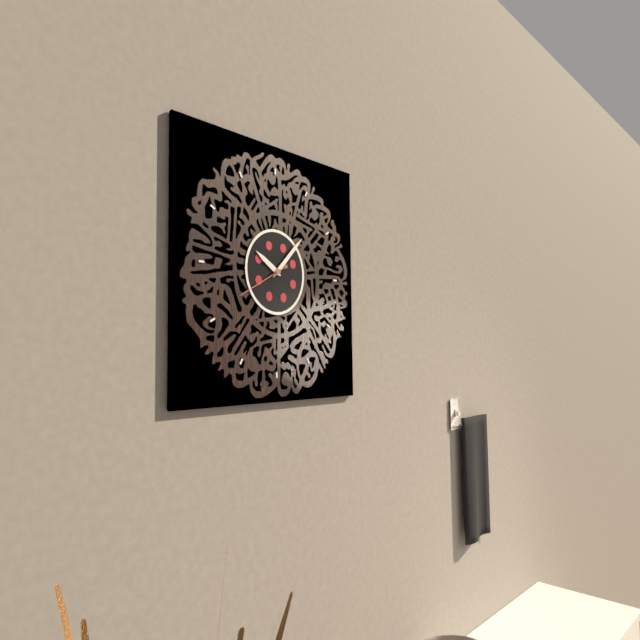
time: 10:07:40
